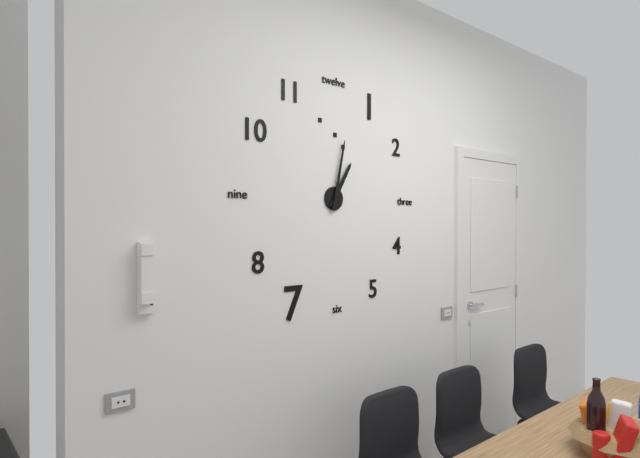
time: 1:02
